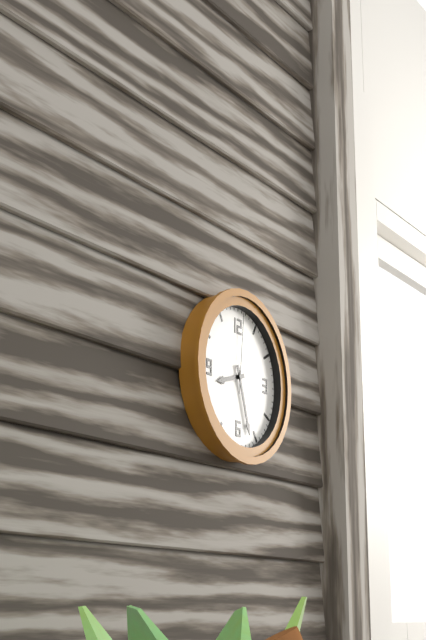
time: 8:27:01
